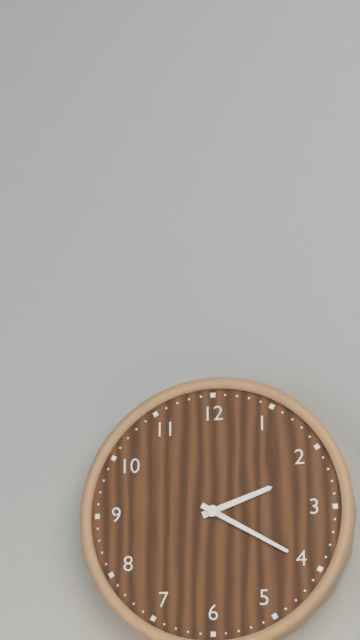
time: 2:20
